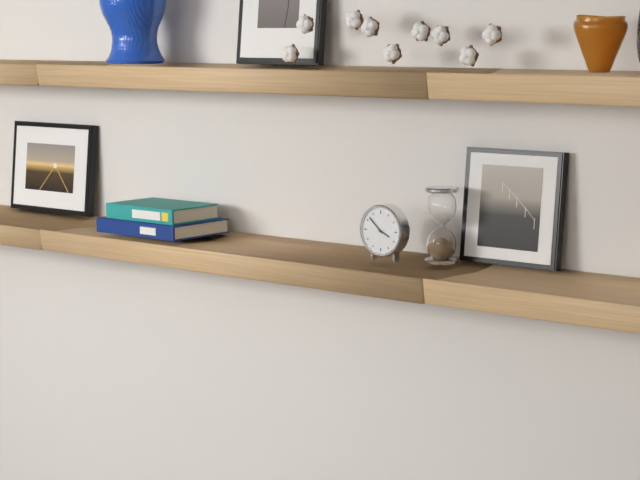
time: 3:52
